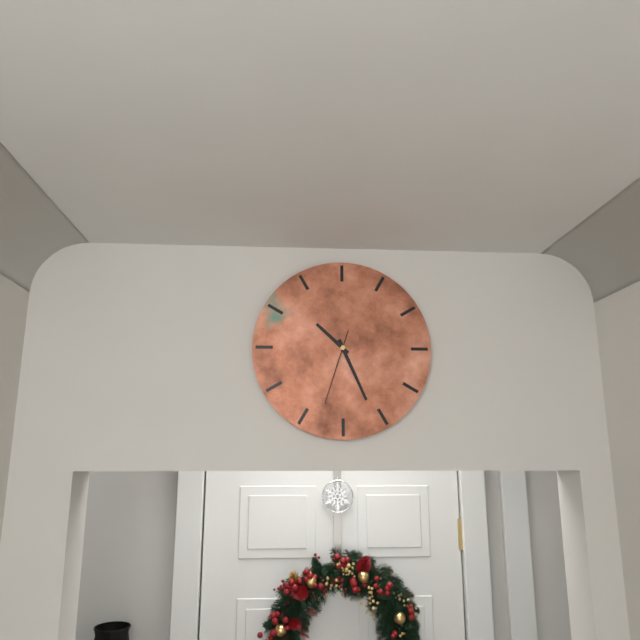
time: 10:26:33
